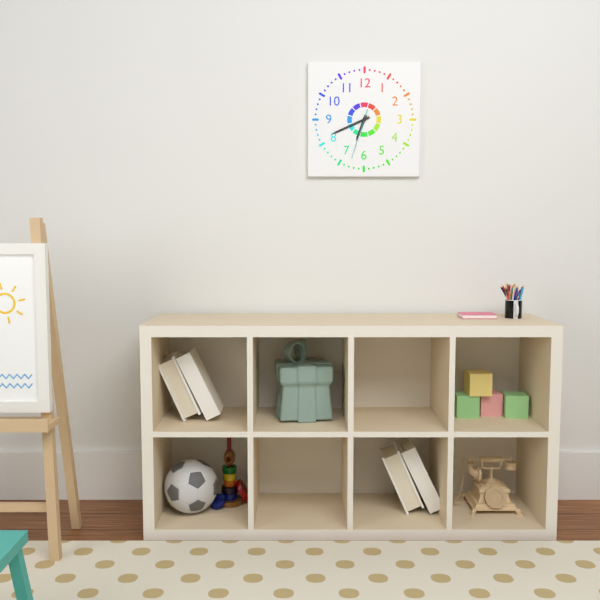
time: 6:41:33
